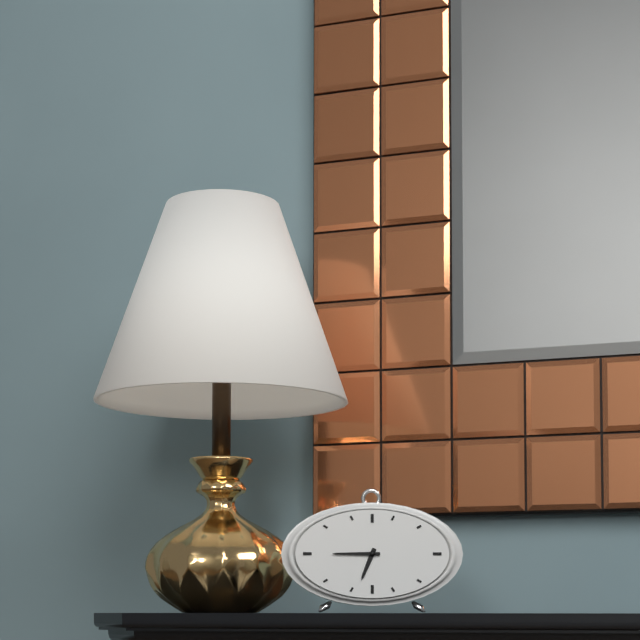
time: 6:45
